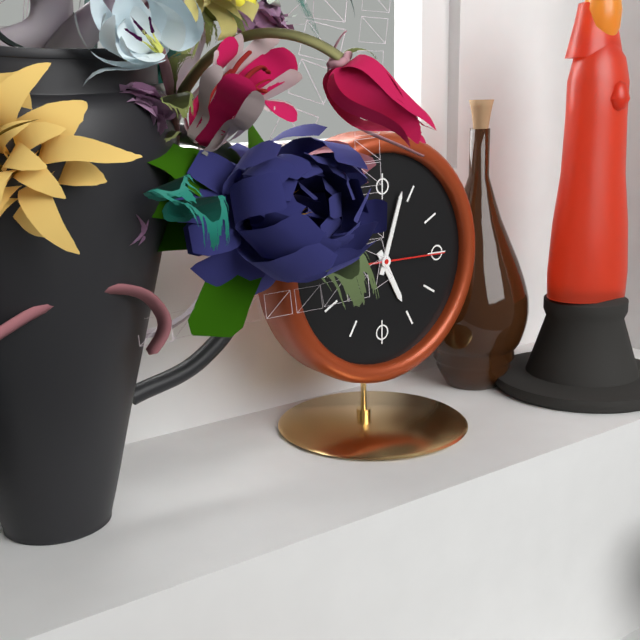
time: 5:03:15
